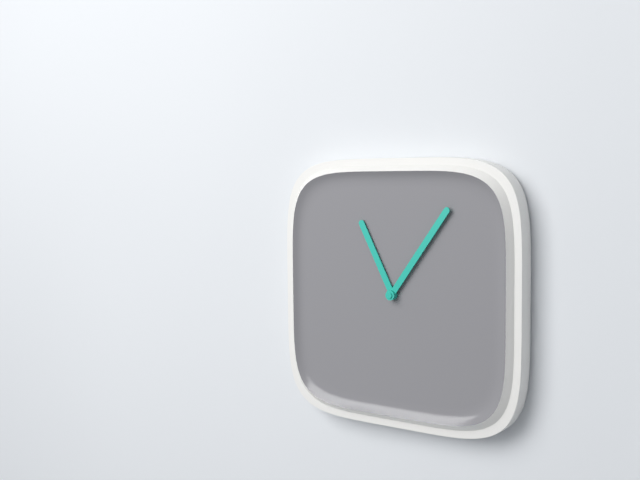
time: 11:06
